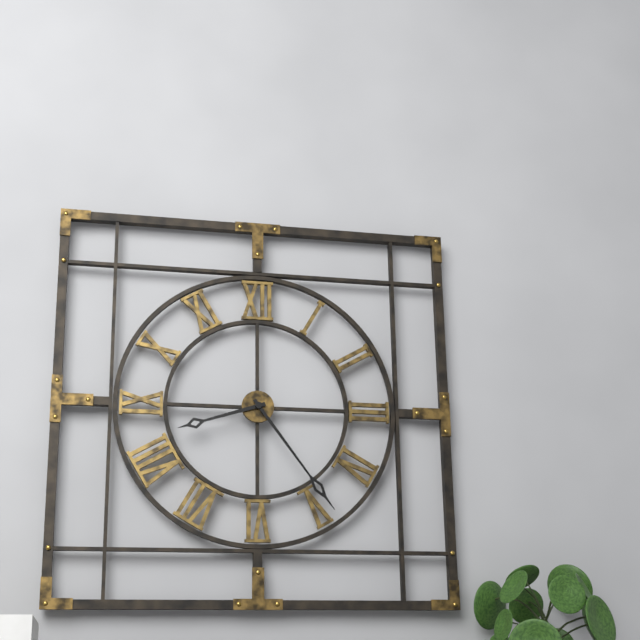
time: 8:24
